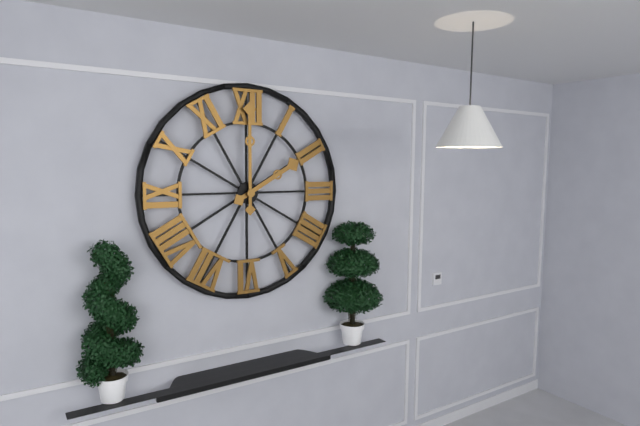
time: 2:00
